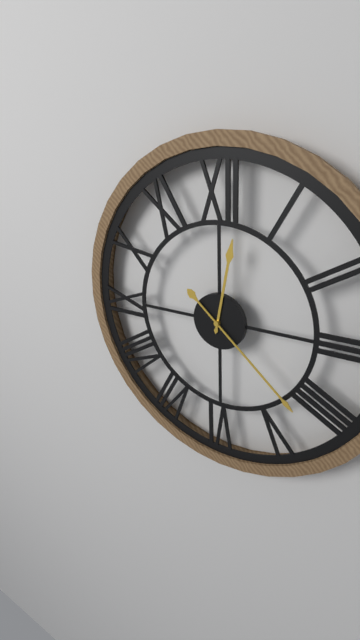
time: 12:22
